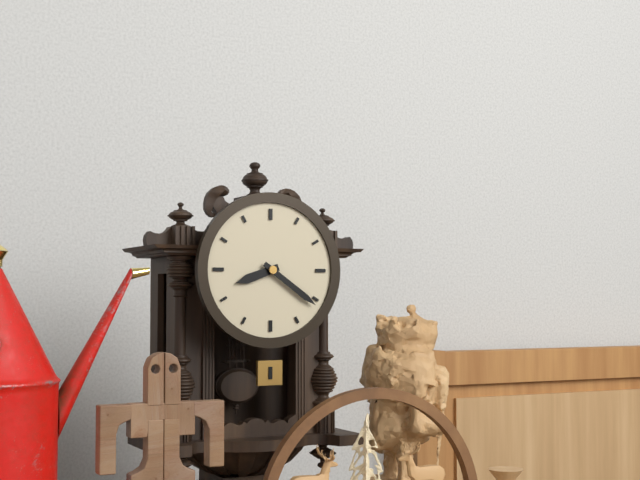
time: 8:21
